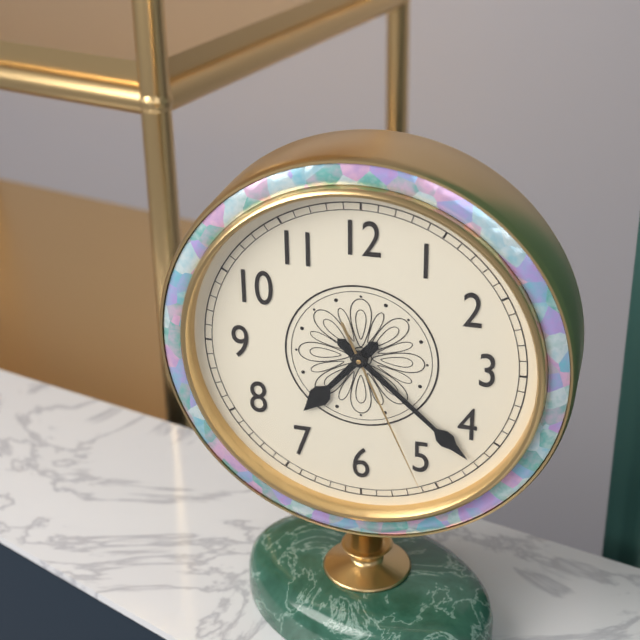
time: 7:22:26
